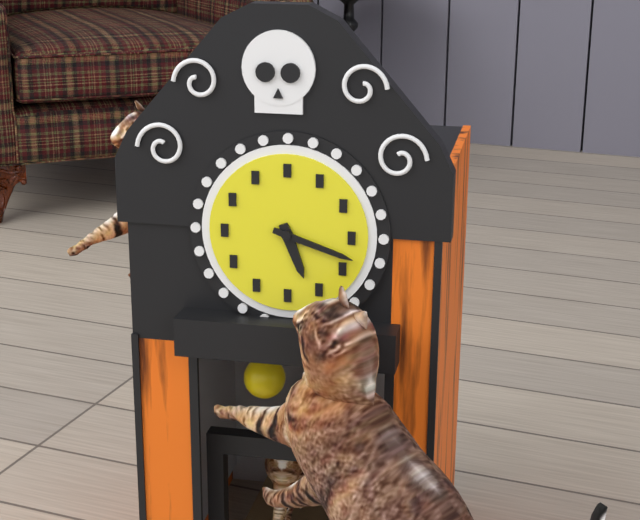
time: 5:18
